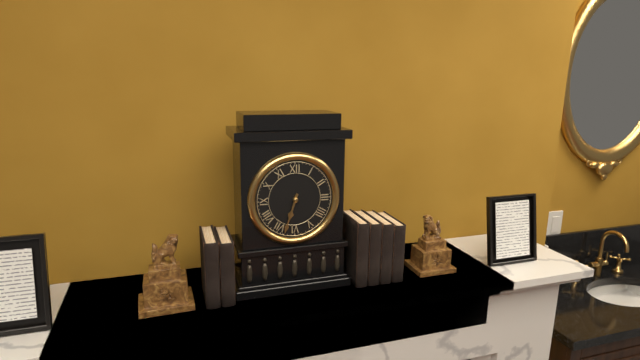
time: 6:33
